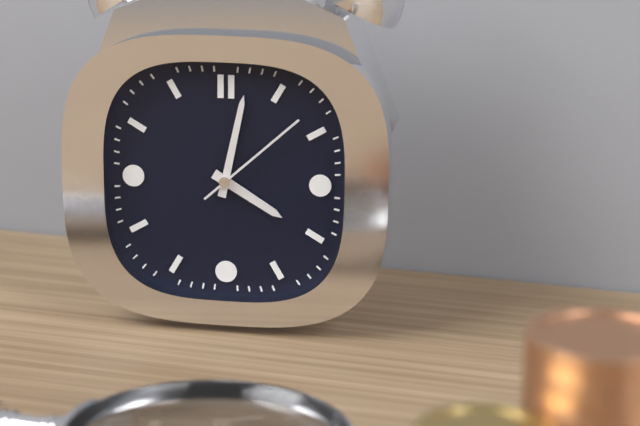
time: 4:02:08
